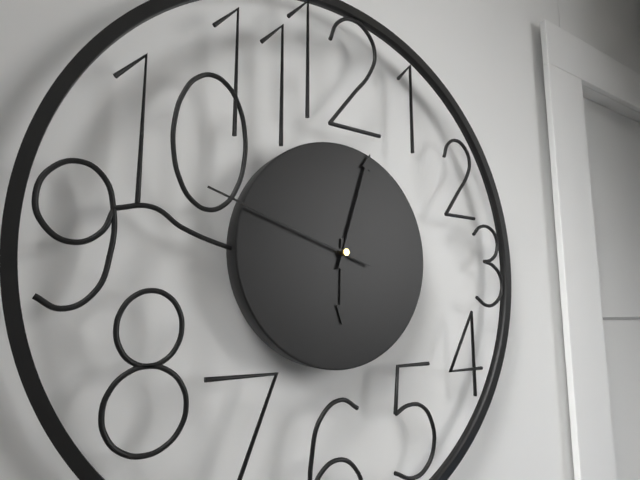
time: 6:03:48
